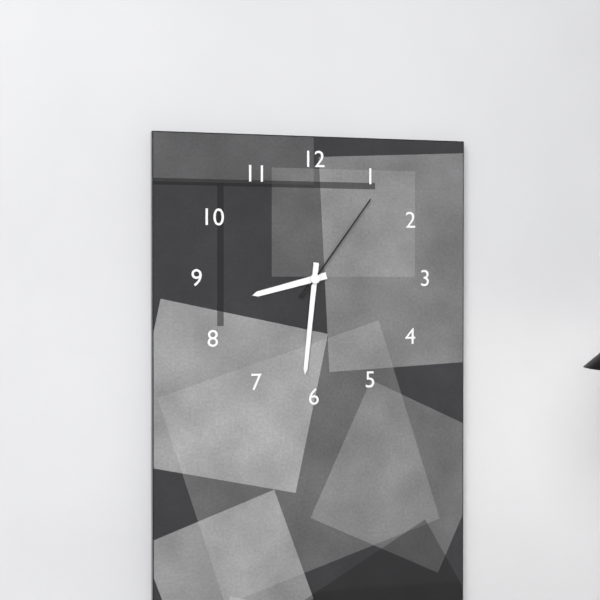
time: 8:31:06
